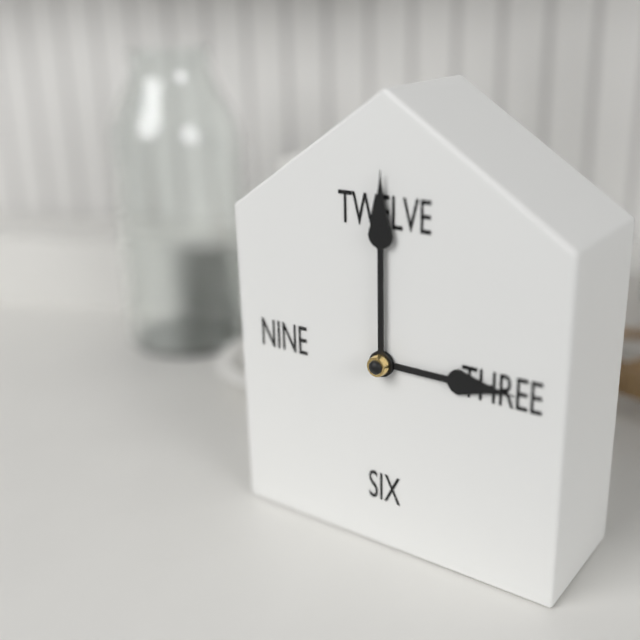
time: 3:00
